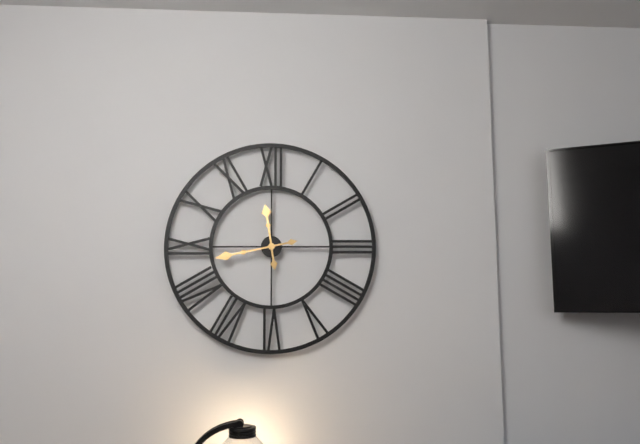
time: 11:43
